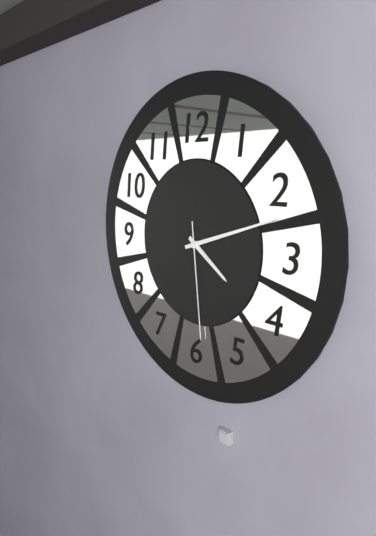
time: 4:12:29
